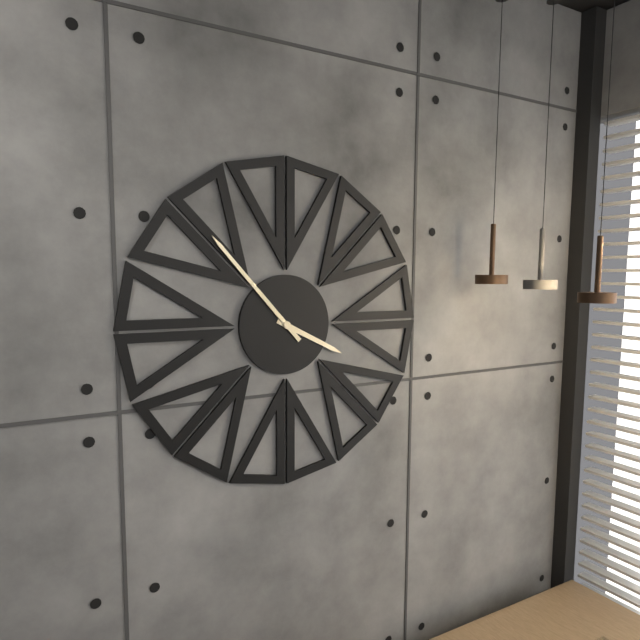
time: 3:53
